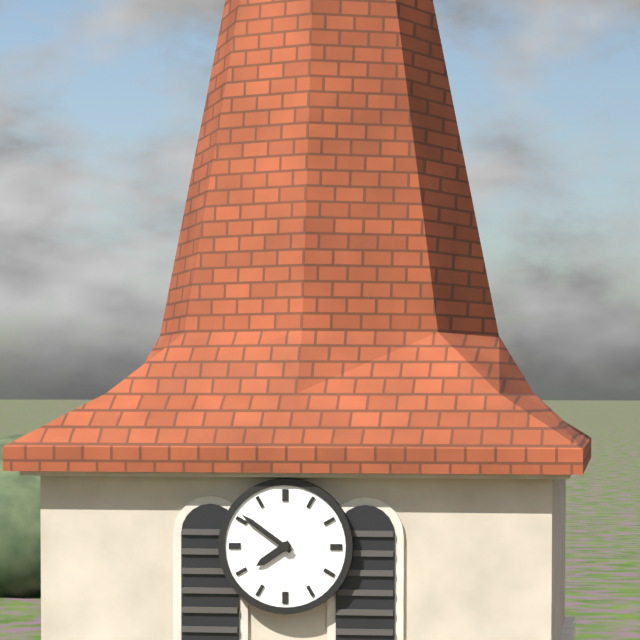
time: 7:51
